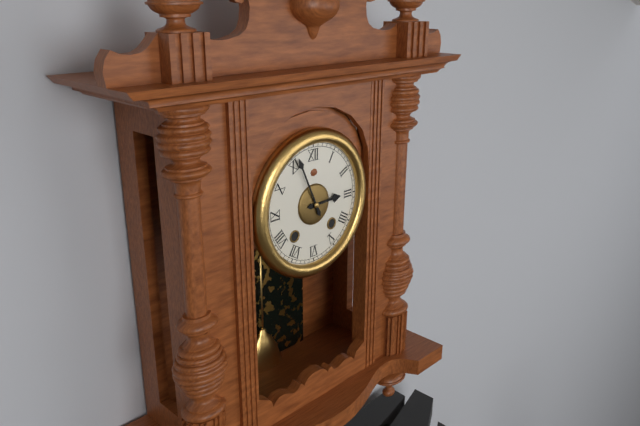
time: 2:56
